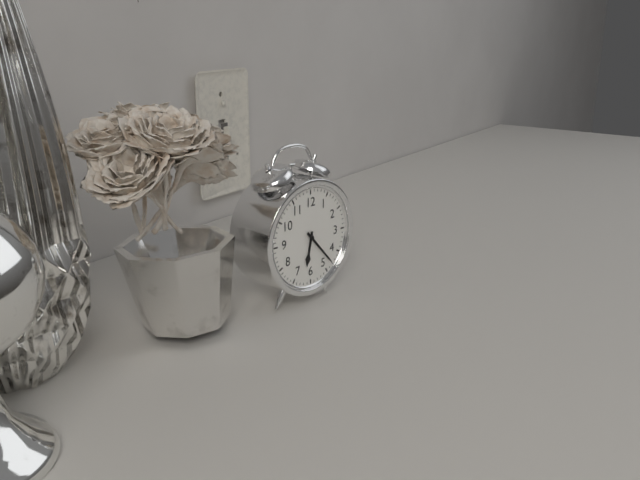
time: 6:23
